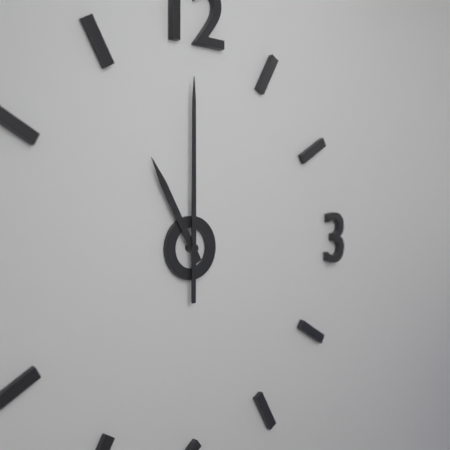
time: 11:00
